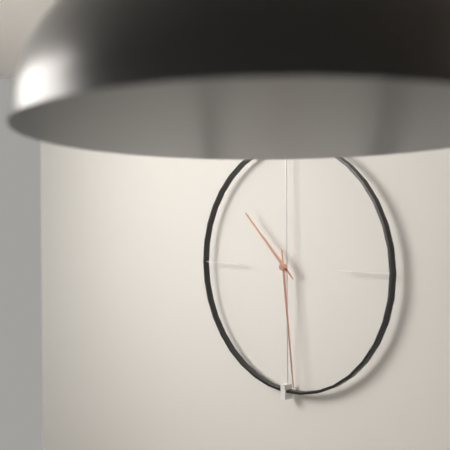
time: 10:29
